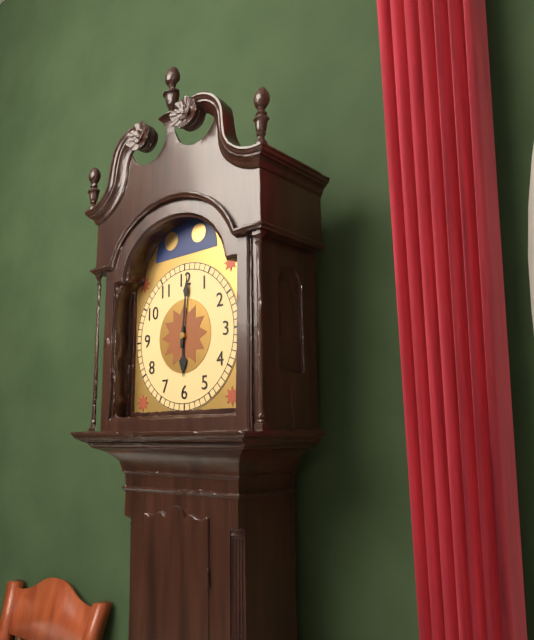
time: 6:01
